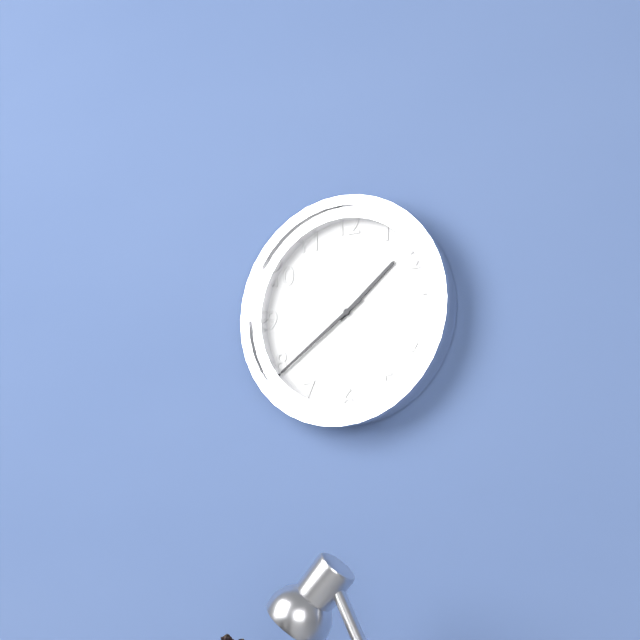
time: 1:39
